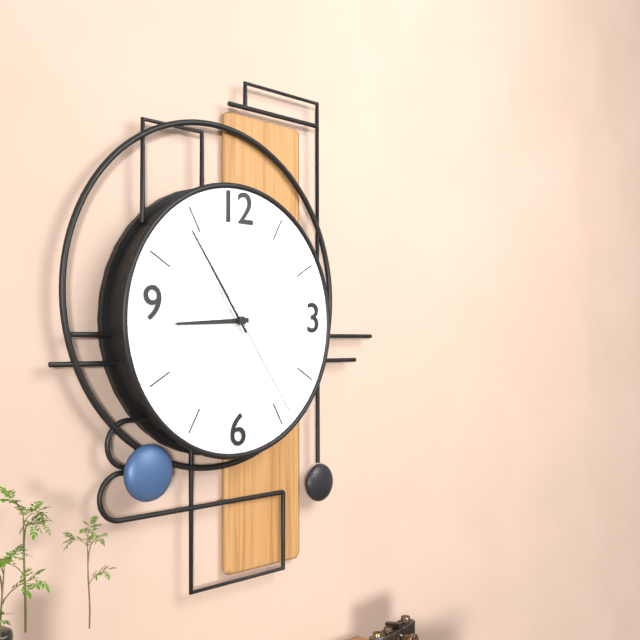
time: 8:54:24
